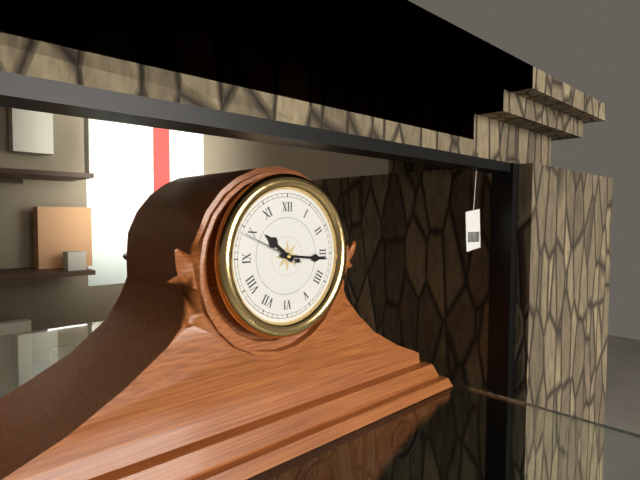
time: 10:16:49
